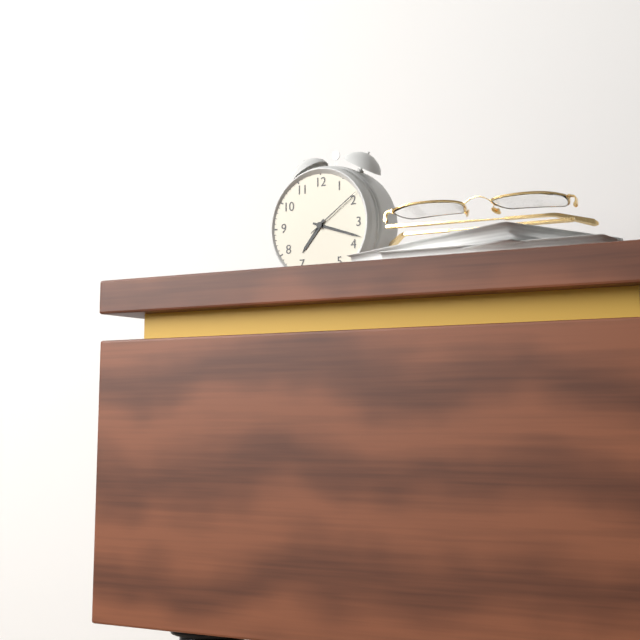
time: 7:18:09
